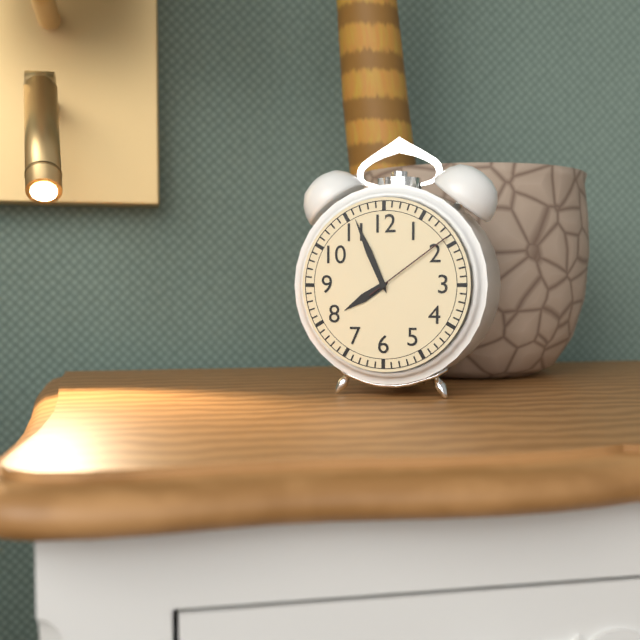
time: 7:56:09
